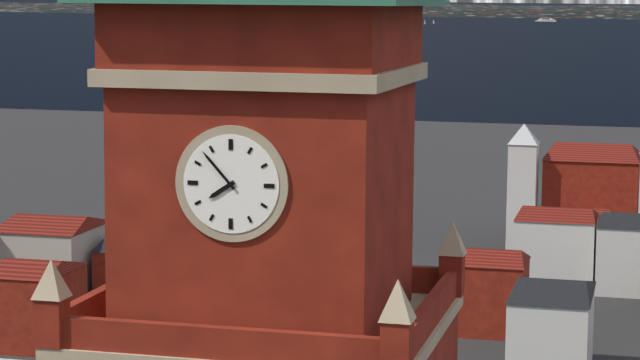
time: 7:53
